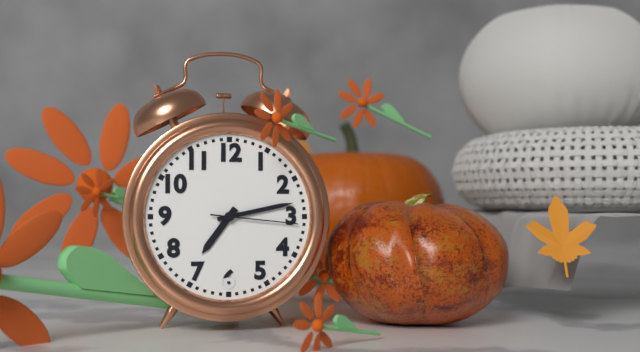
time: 7:13:16
